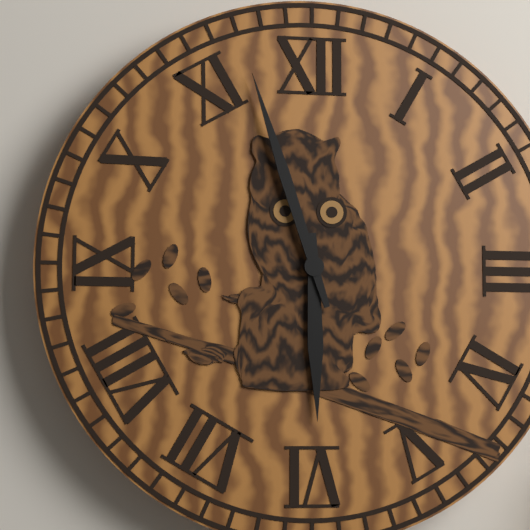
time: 5:57
